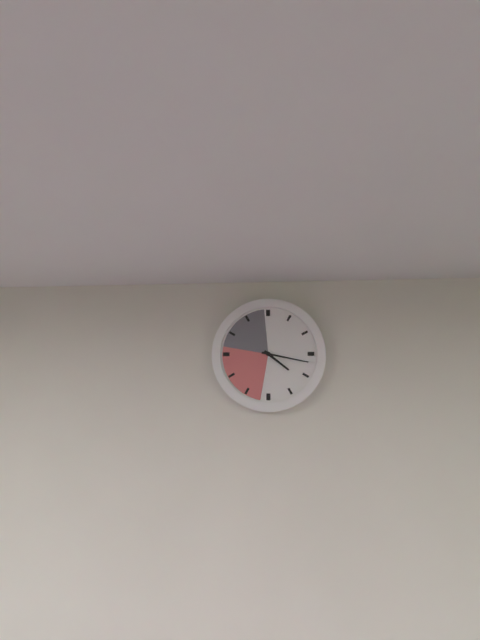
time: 4:17
